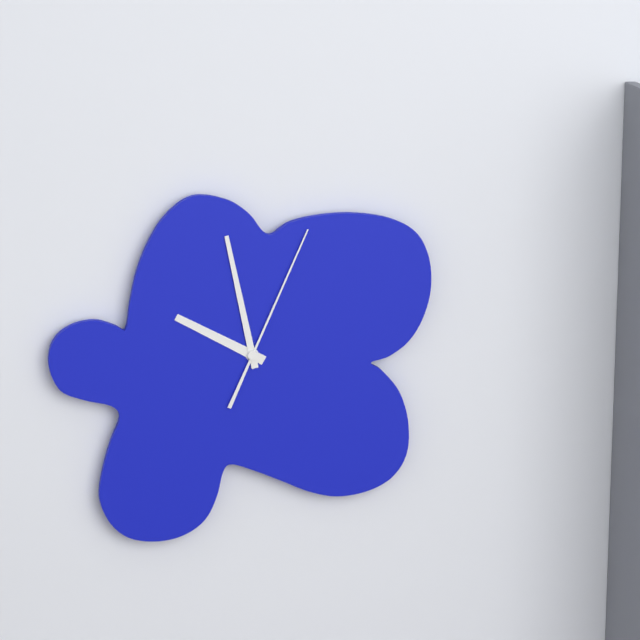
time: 9:58:04
